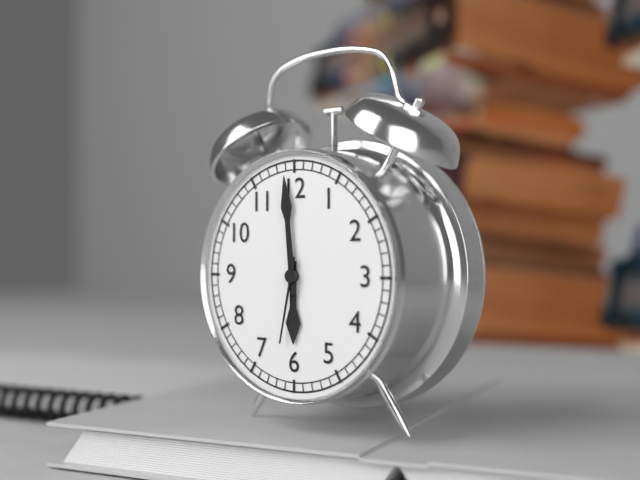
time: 5:59:32
